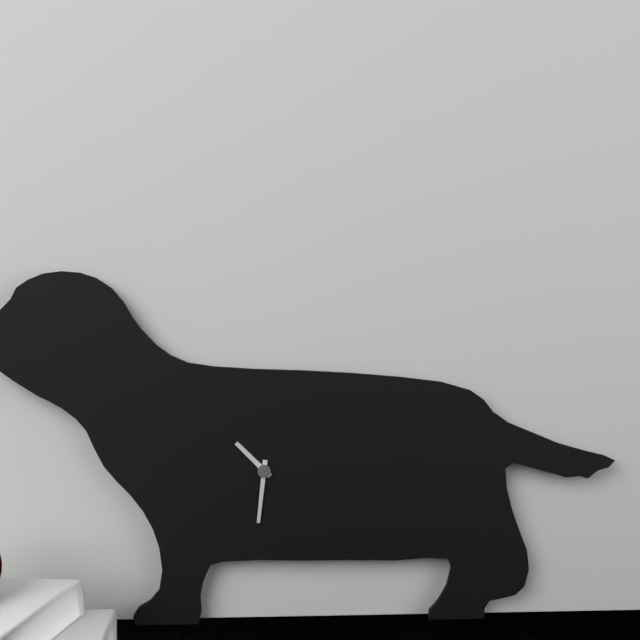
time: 10:31
